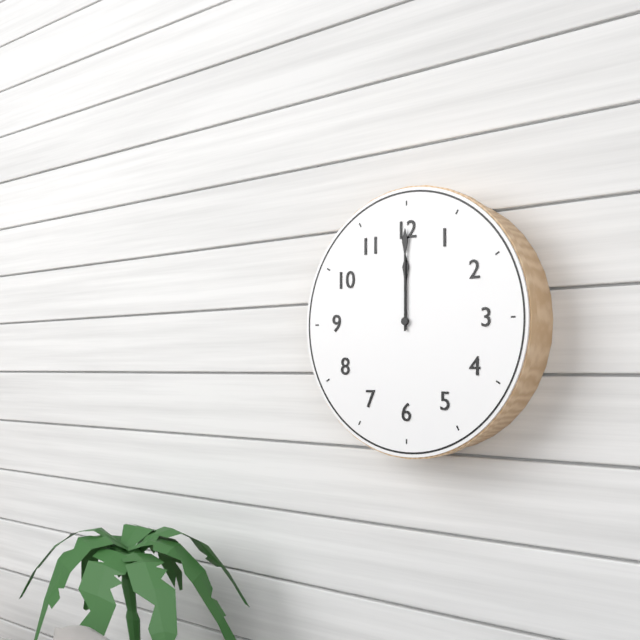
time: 12:00
